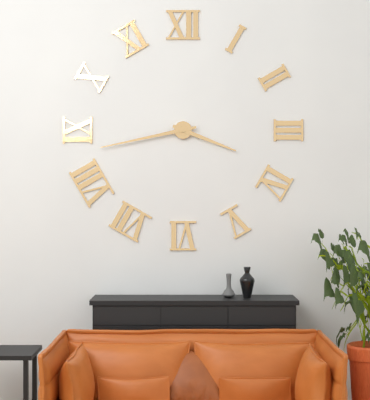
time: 3:43
